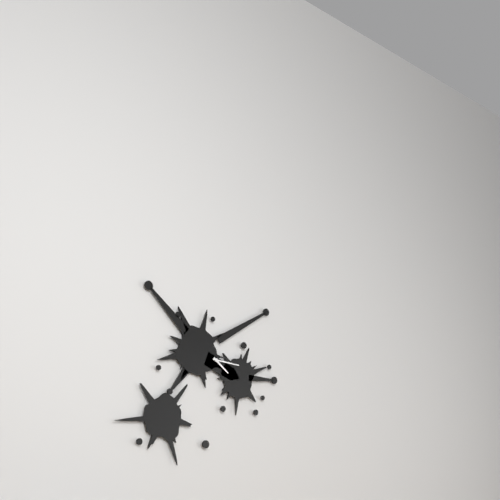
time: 4:16
